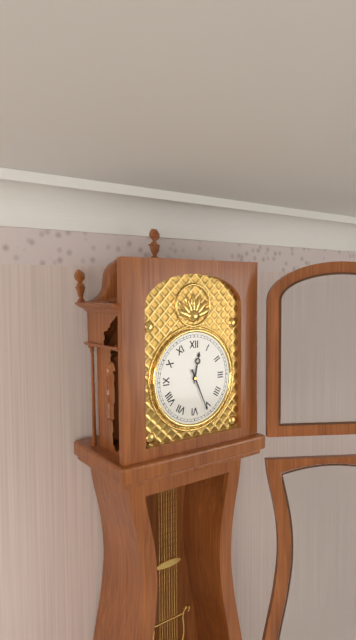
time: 12:26
